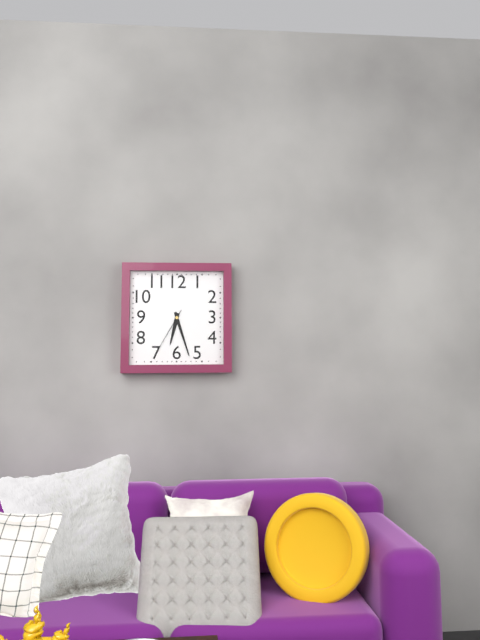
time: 6:27:35
